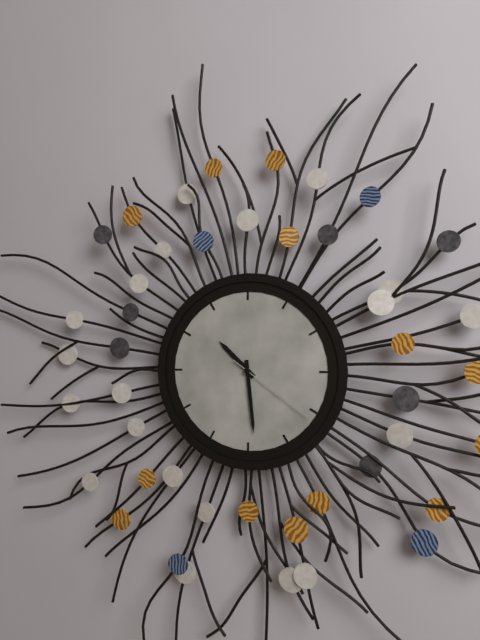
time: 10:29:21
